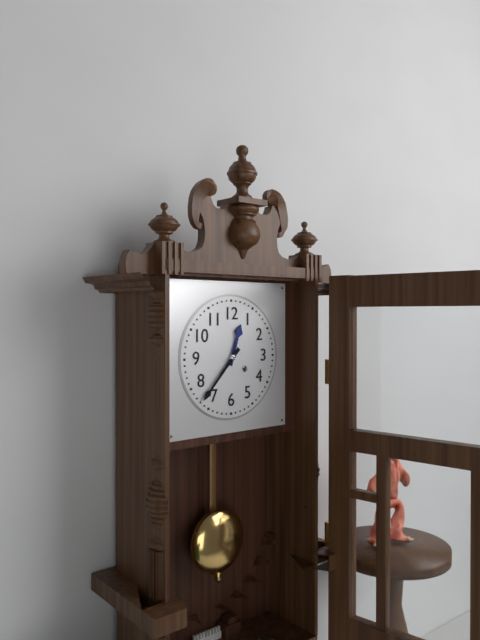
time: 12:37
